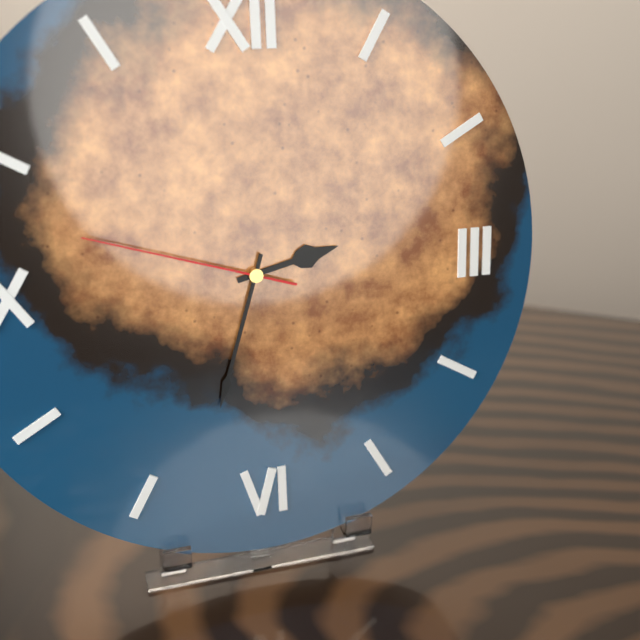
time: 2:33:48
